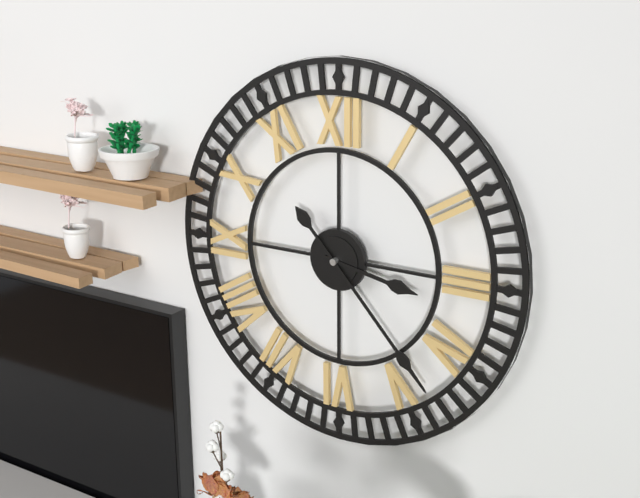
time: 3:23
